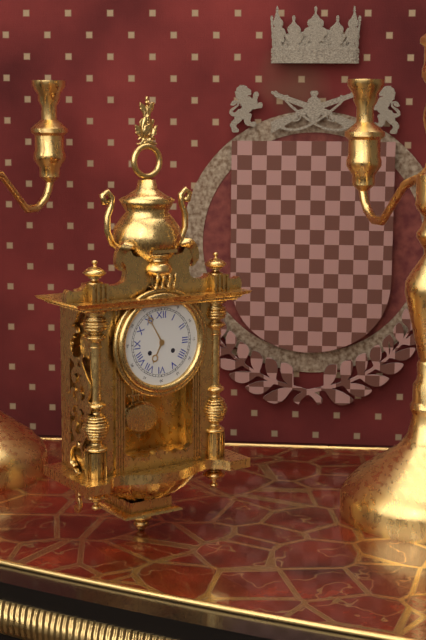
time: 6:55
